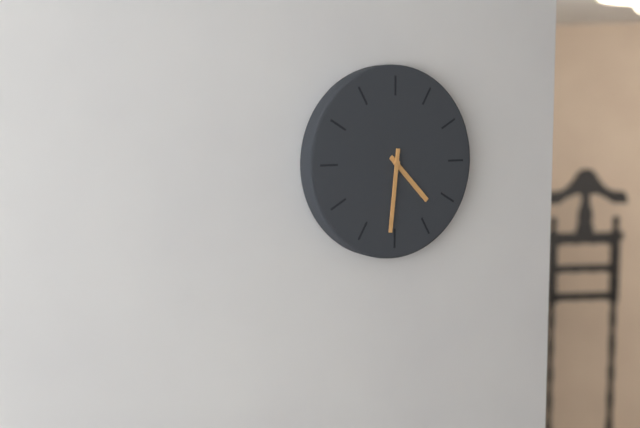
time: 4:31
